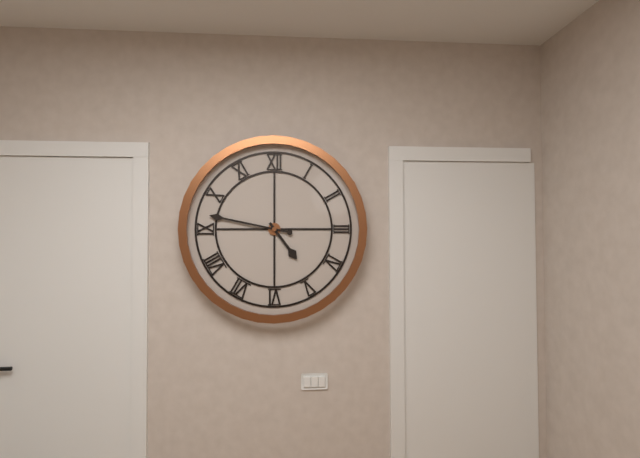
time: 4:47
